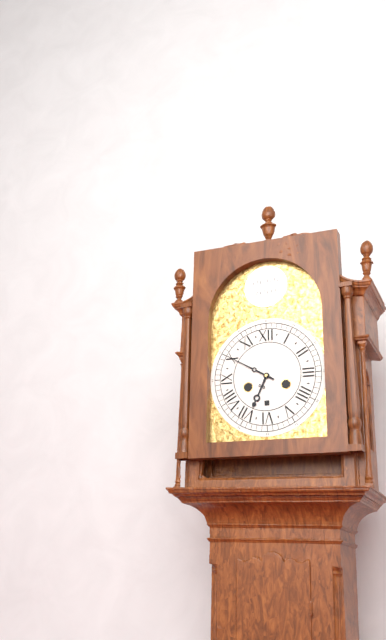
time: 6:50
